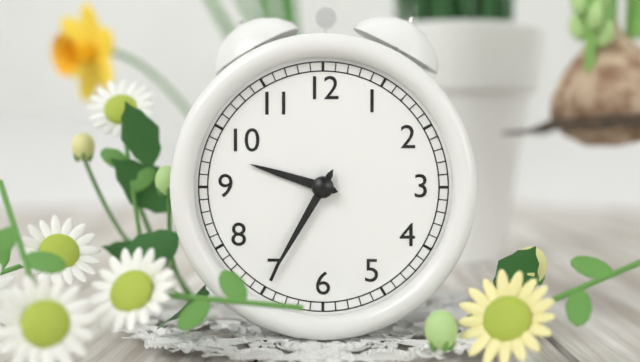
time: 9:35
